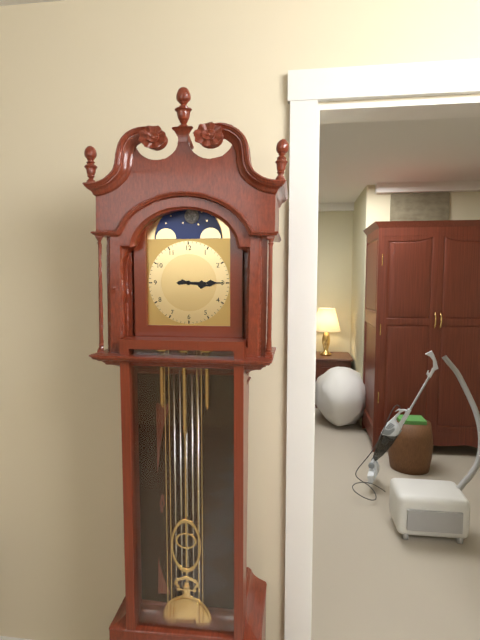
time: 3:15
